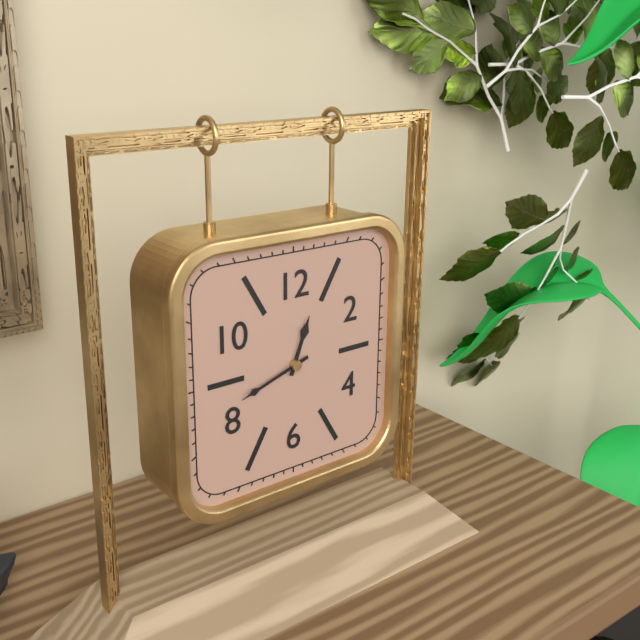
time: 12:42
